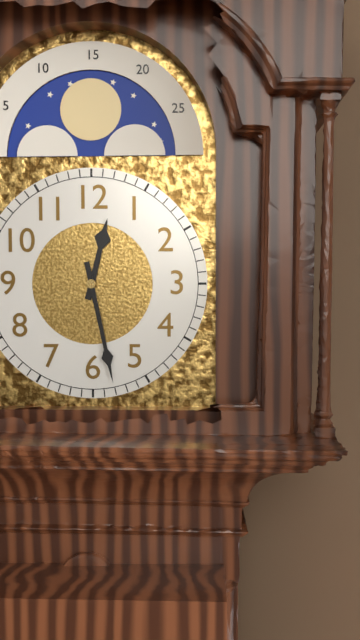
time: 12:28
